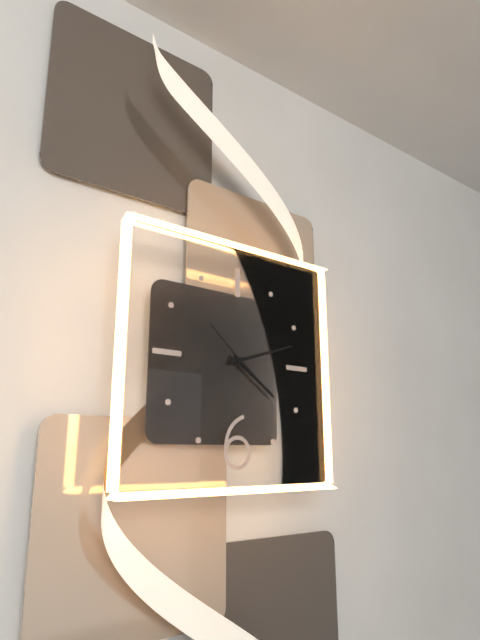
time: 4:12:52
